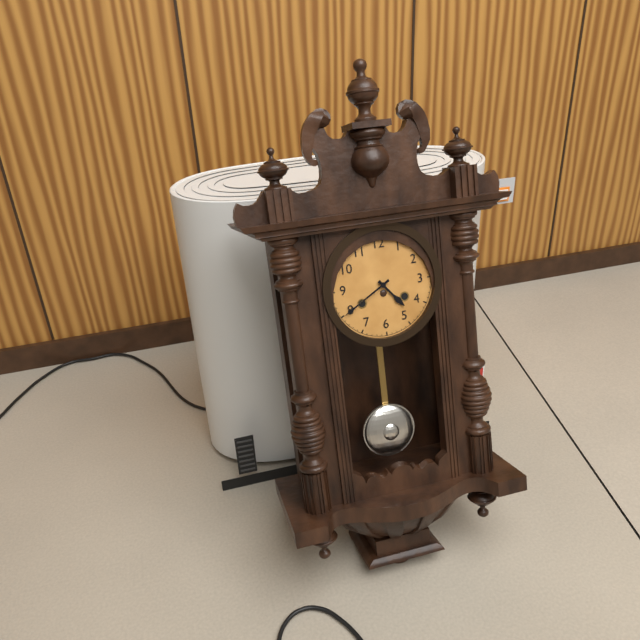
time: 4:40
